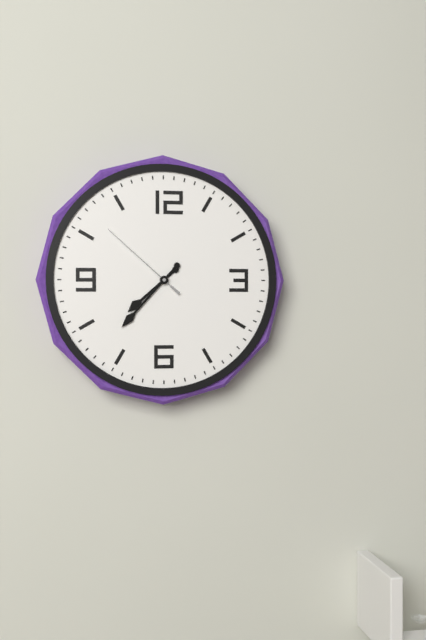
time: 7:37:52
